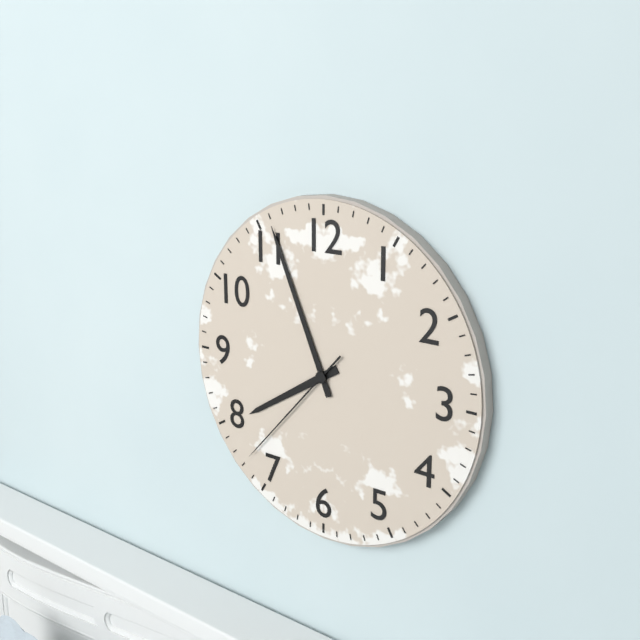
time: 7:56:37
